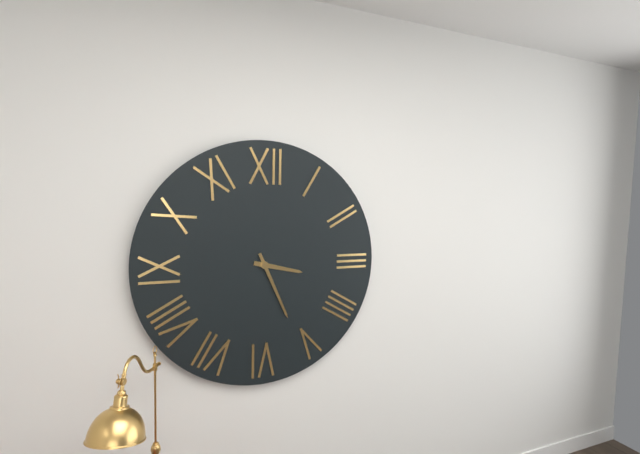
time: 3:26
